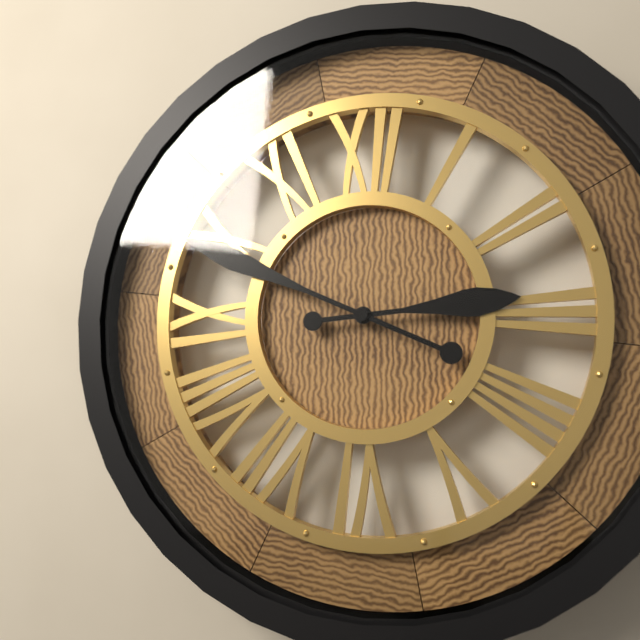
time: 2:49
